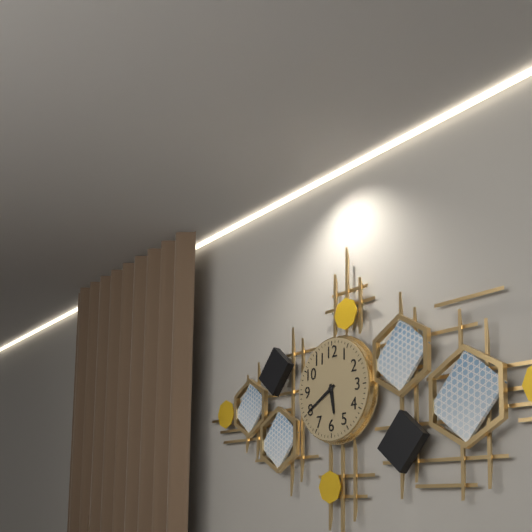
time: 5:40
